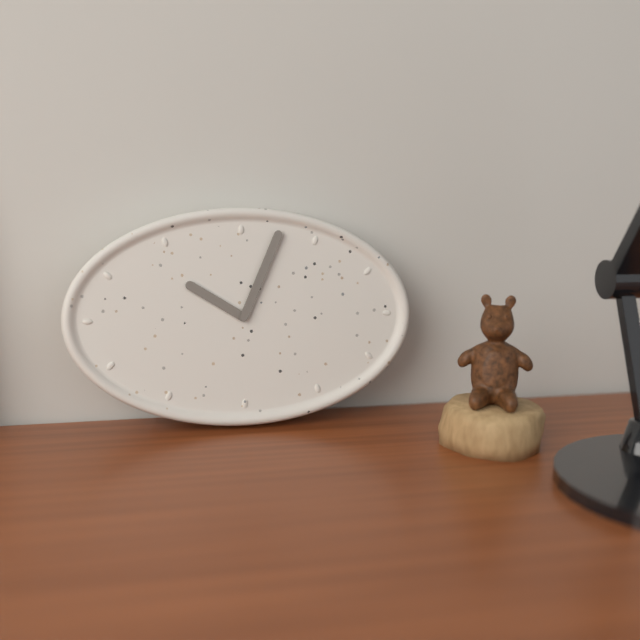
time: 10:04
